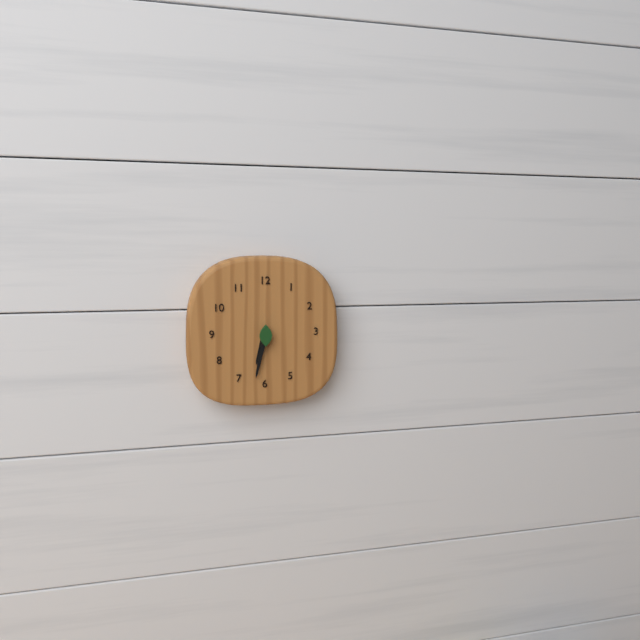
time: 6:32
